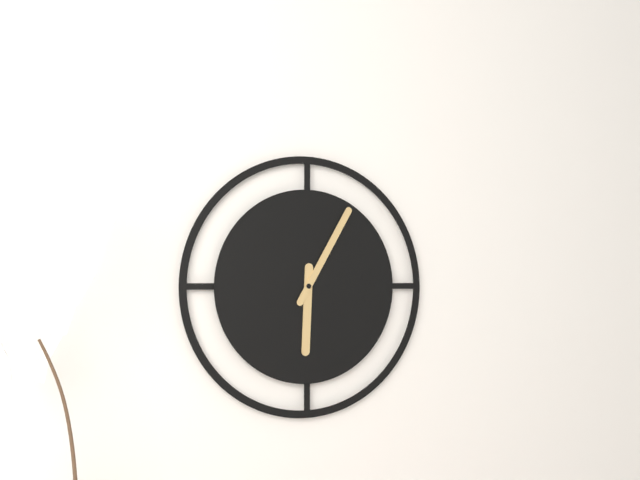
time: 6:05
